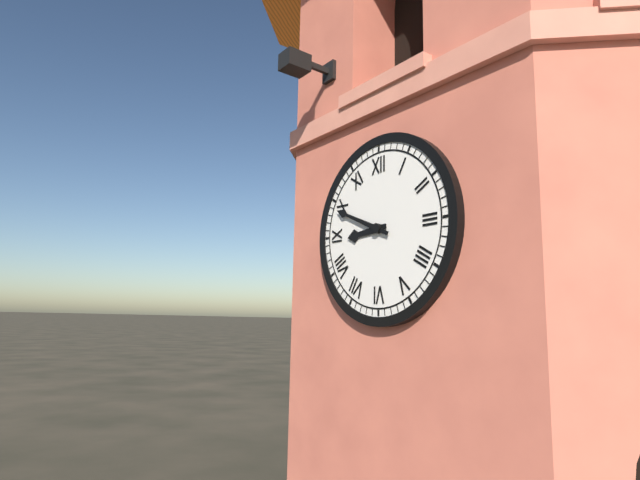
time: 8:49
